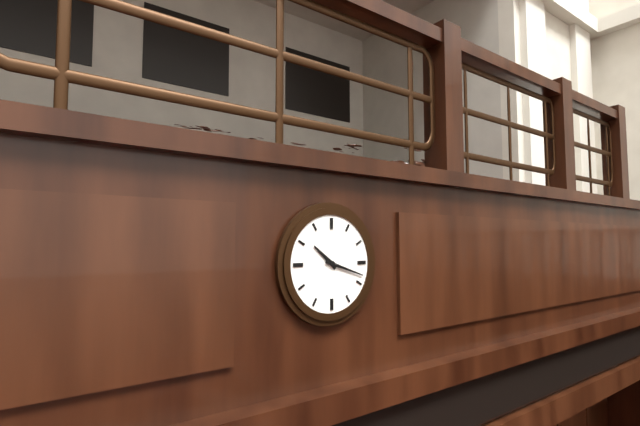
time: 10:18
